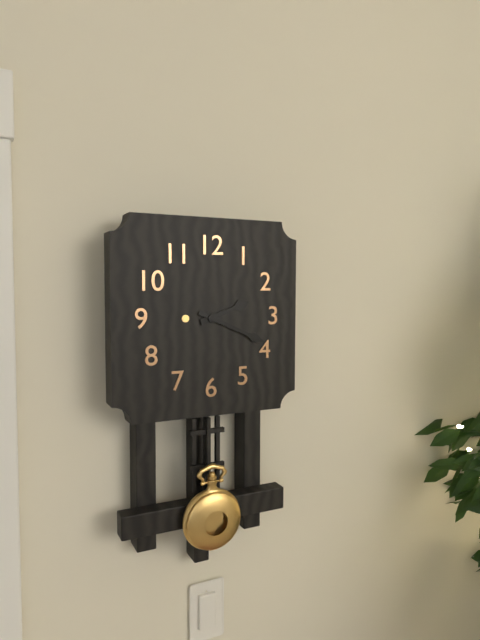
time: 2:19
